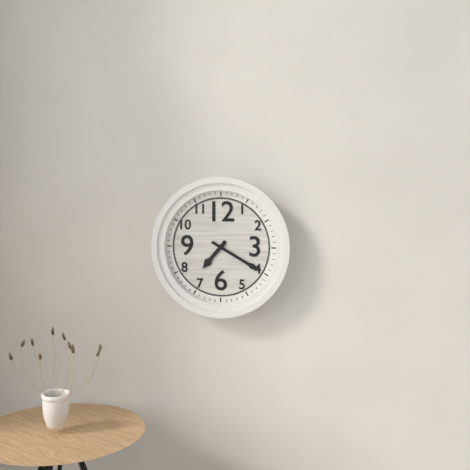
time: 7:20
